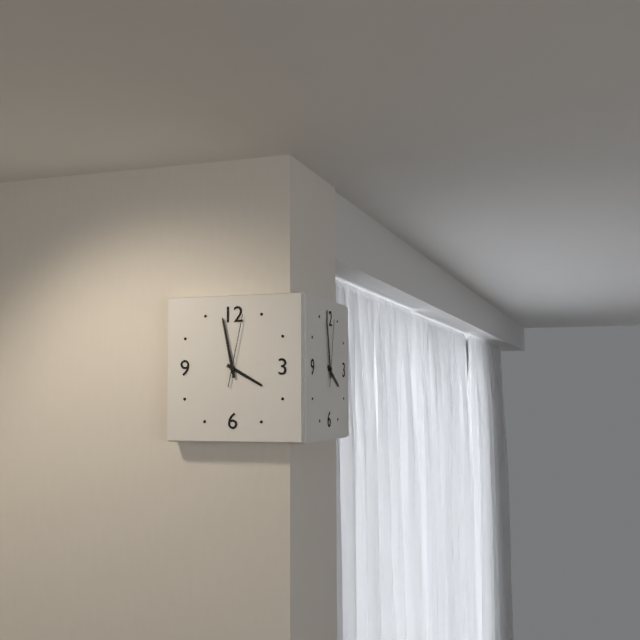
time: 3:58:02
